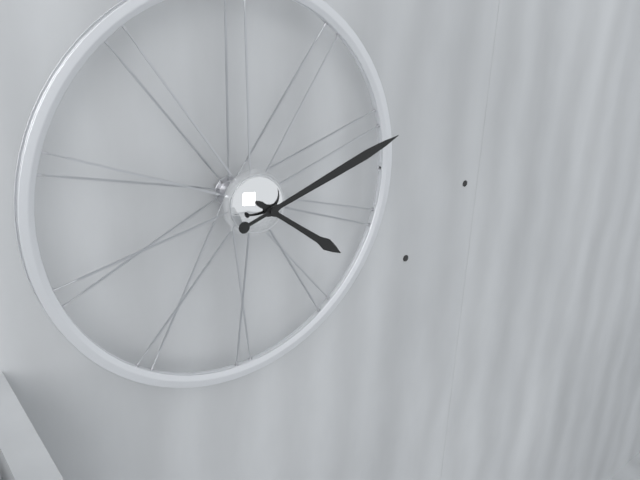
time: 4:12
